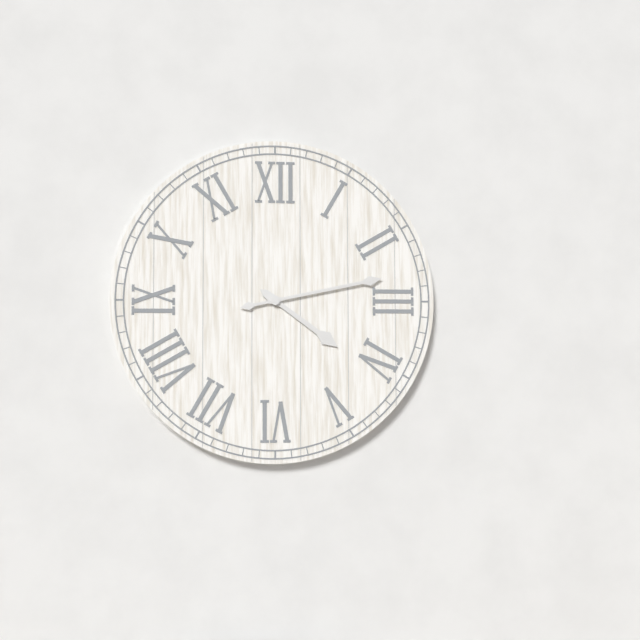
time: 4:13
